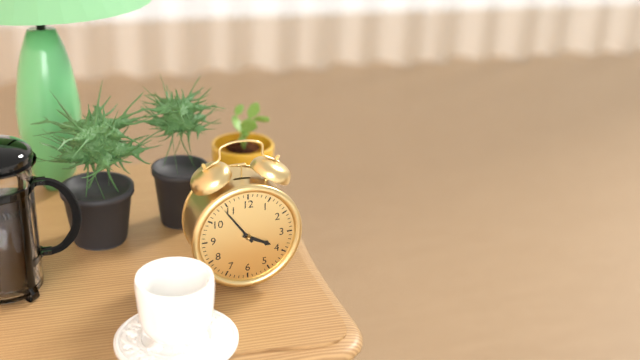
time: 3:54
